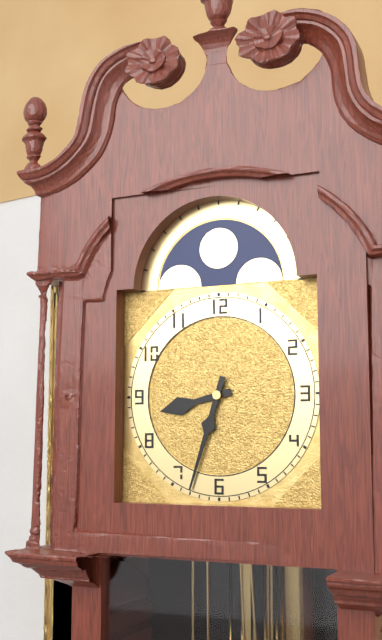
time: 8:33
